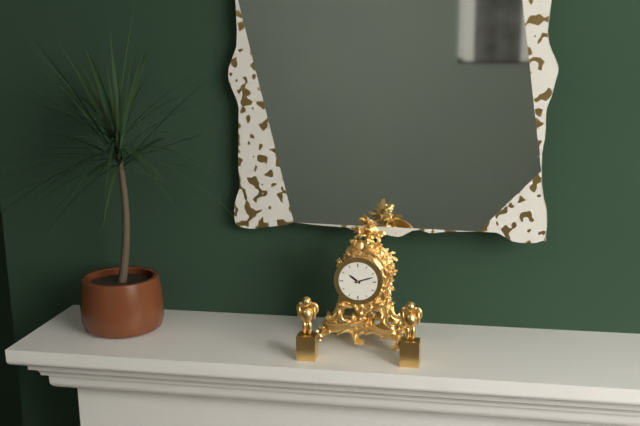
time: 10:12
